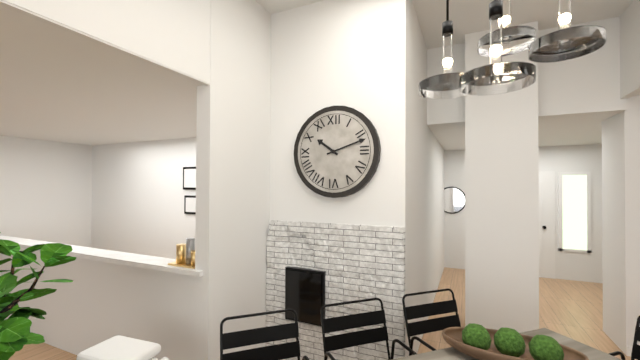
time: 10:12
